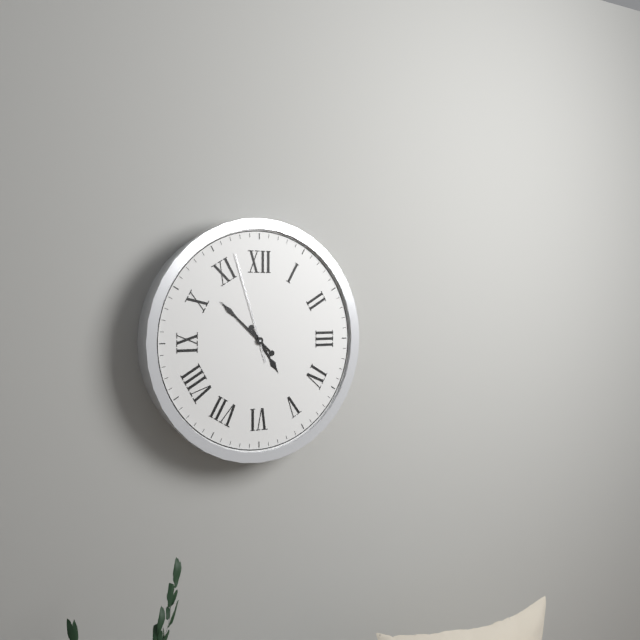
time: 4:52:57
